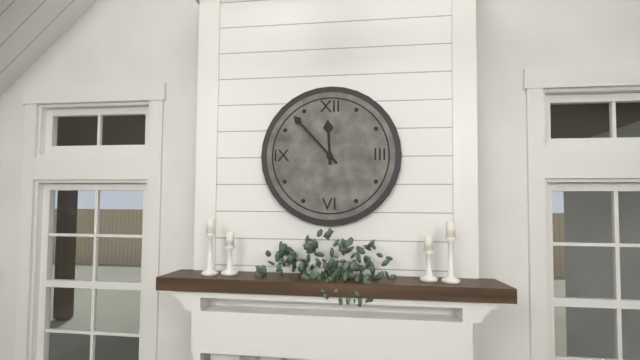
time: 11:53
